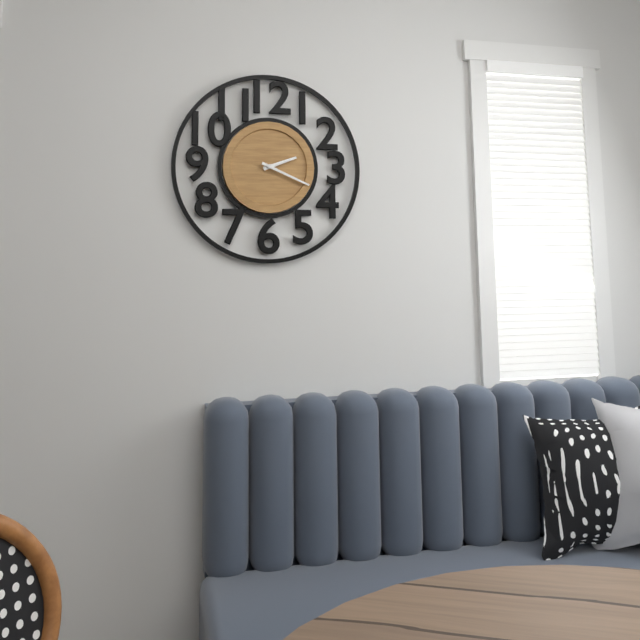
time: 2:19
